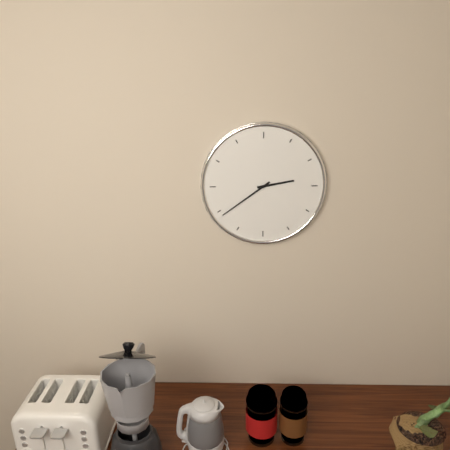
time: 2:39
